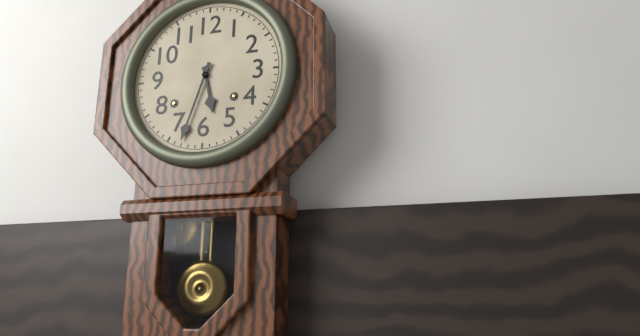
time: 5:33
